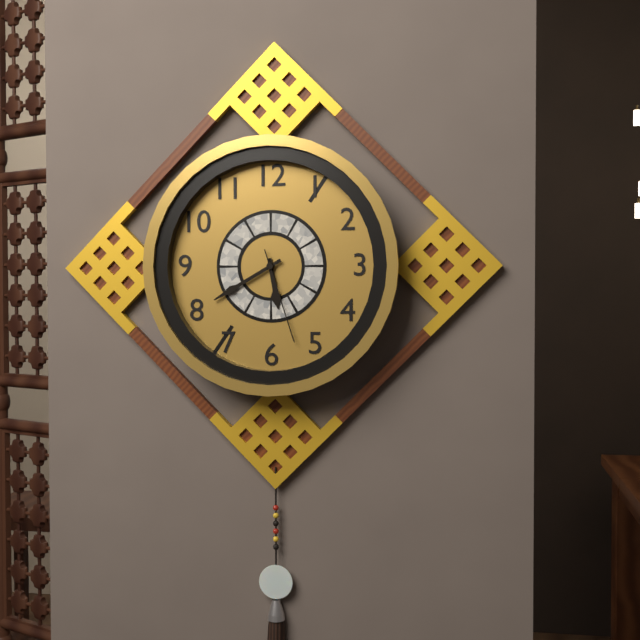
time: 5:40:27
